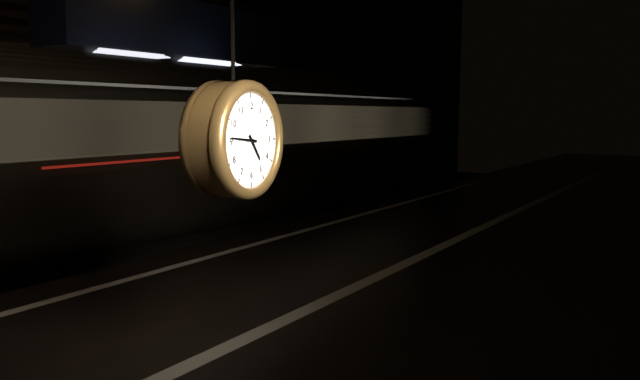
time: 4:46
